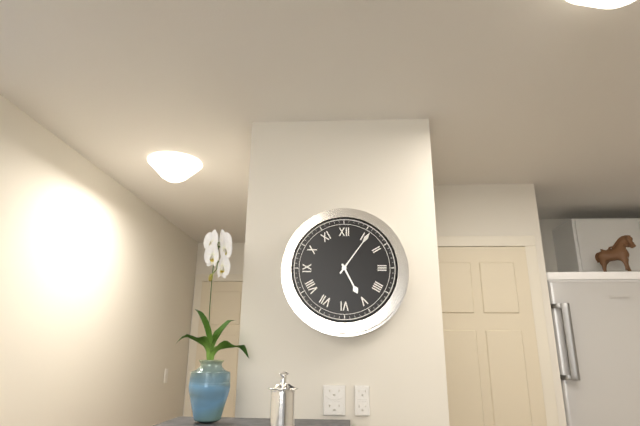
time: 5:06
